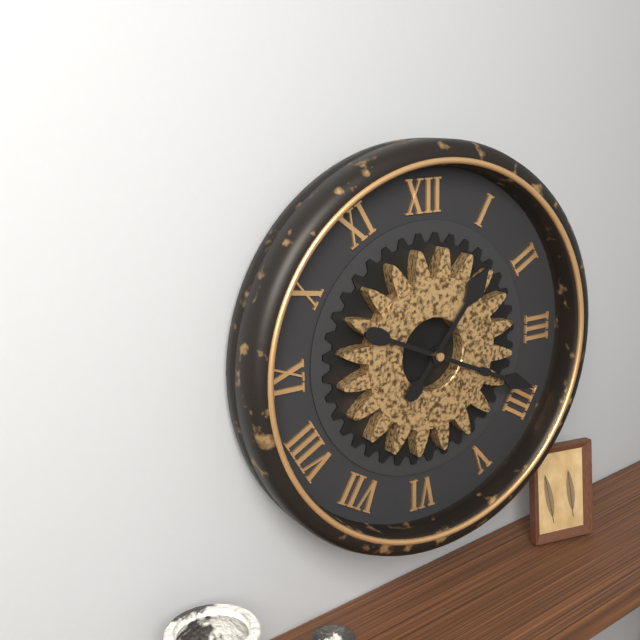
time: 1:19
